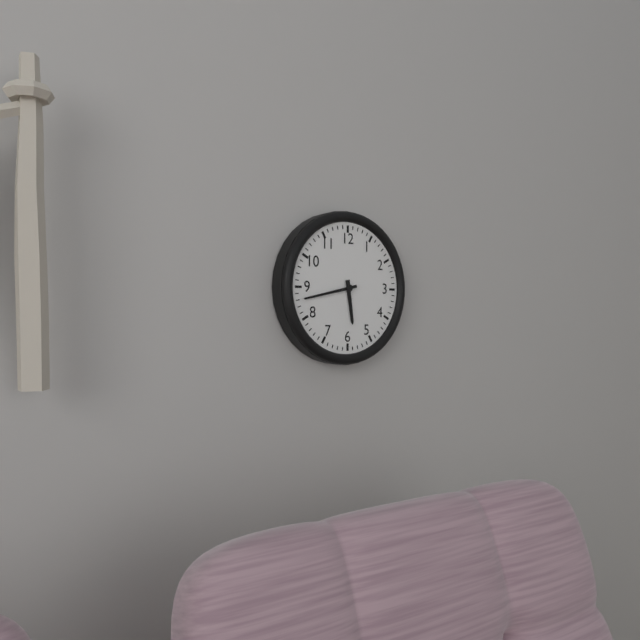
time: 5:43
